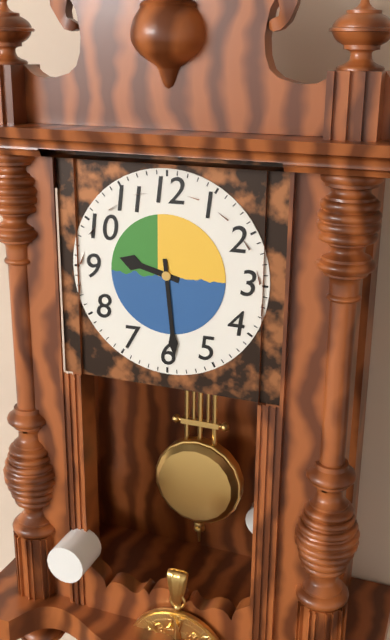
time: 9:29
